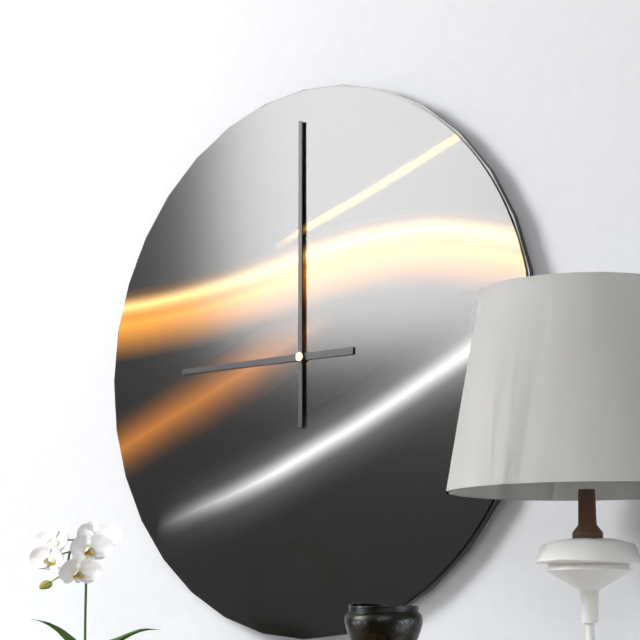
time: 9:00
